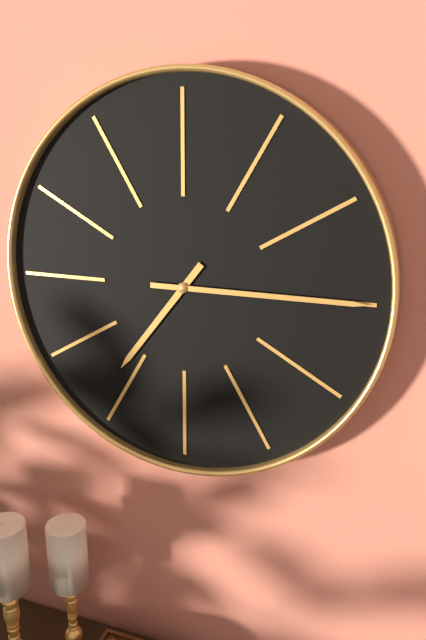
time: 7:15
